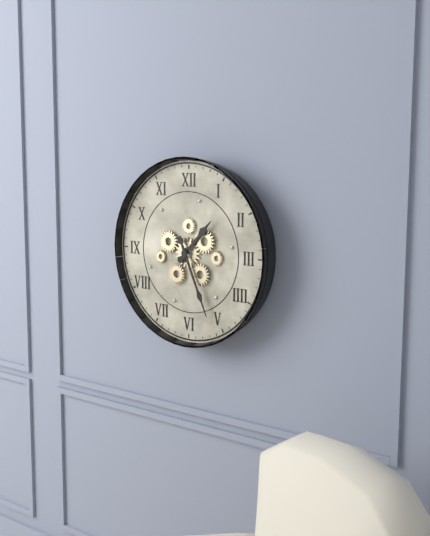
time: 1:26
